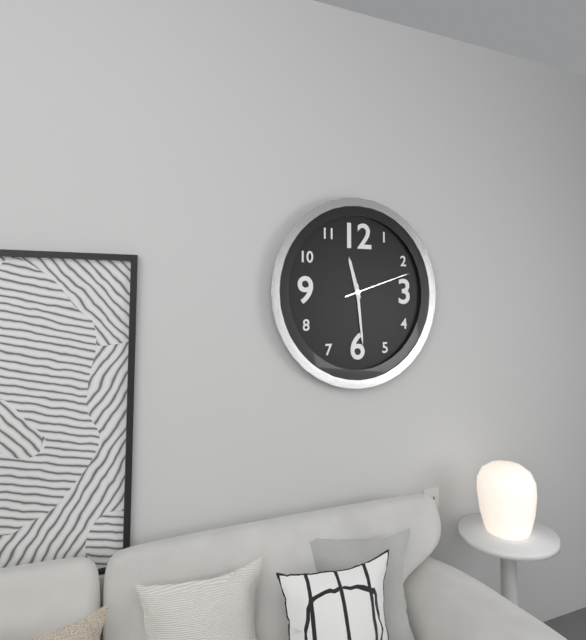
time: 11:29:12
